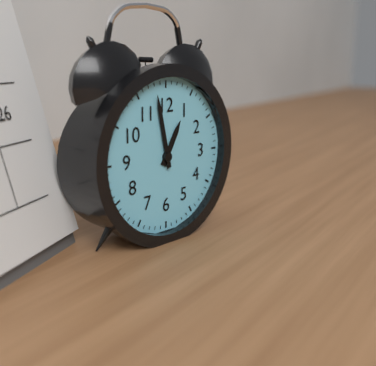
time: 12:58
